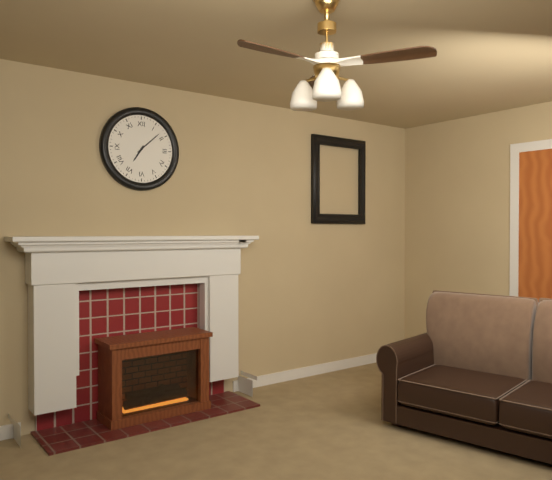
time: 7:08
